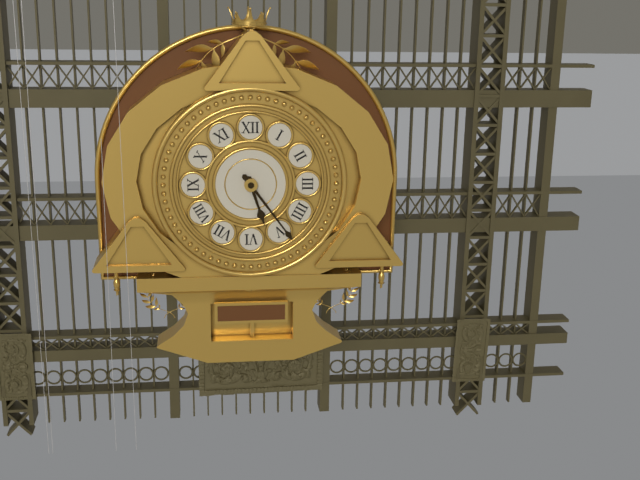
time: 5:24
